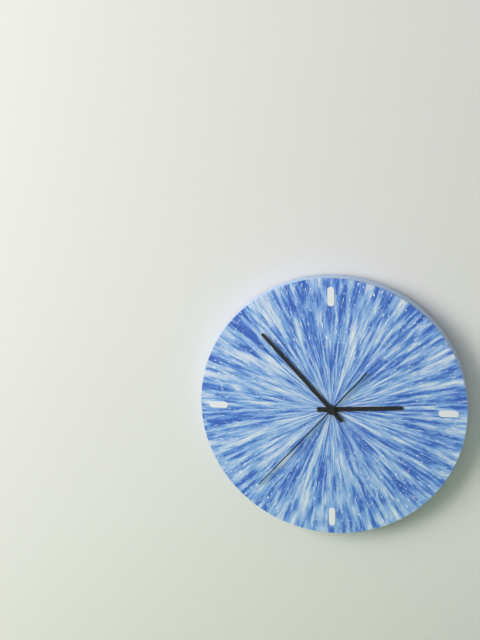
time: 2:53:37
